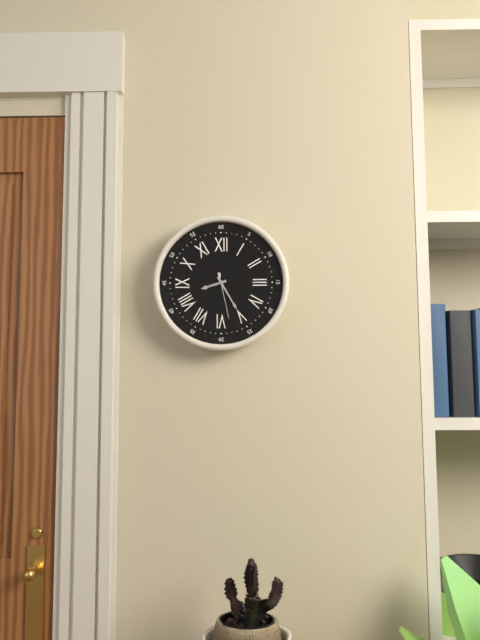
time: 8:25
